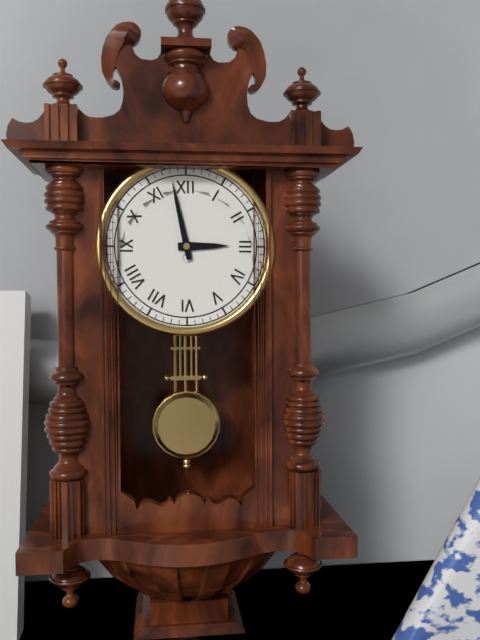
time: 2:58
